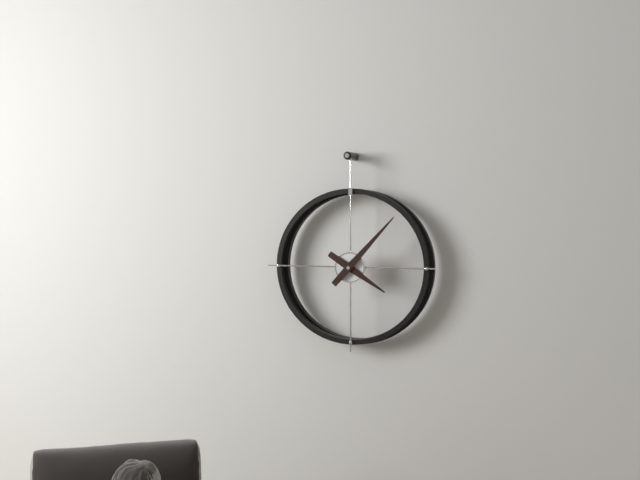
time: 4:07
